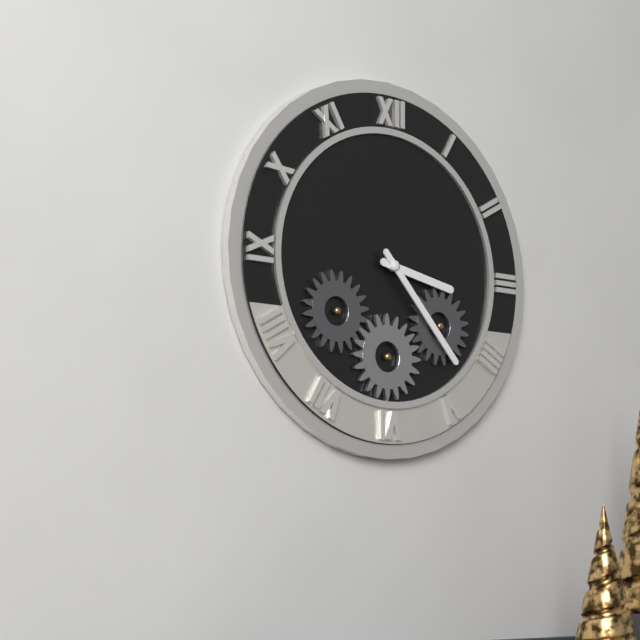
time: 3:23
